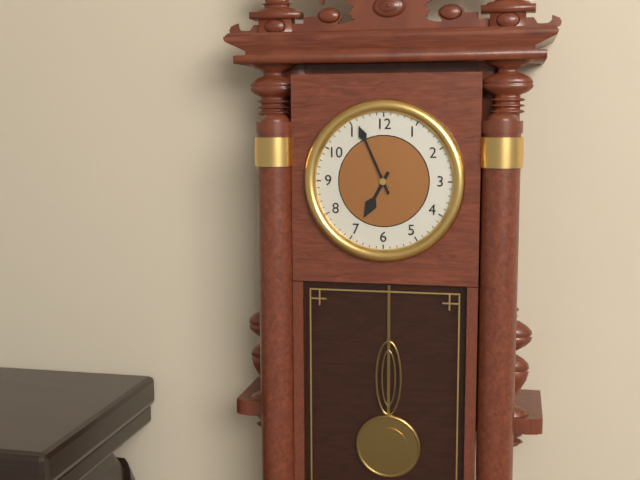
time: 6:56
